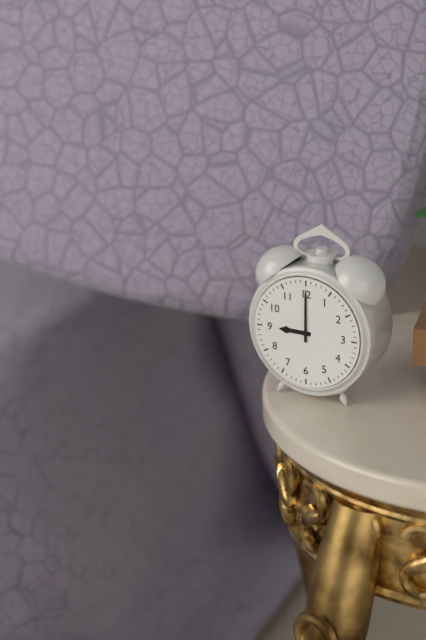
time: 9:00
